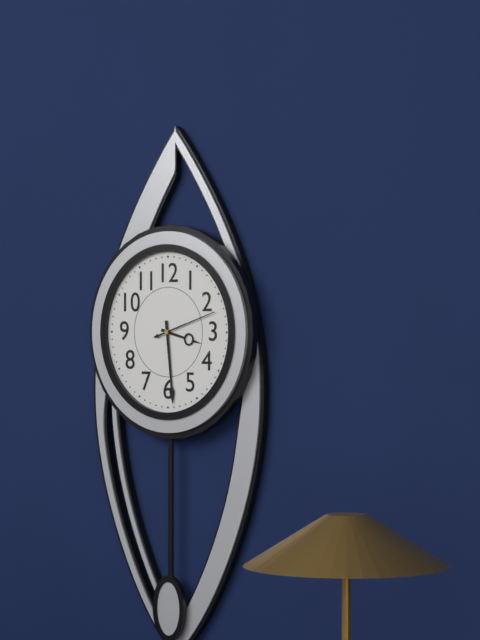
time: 3:29:12
